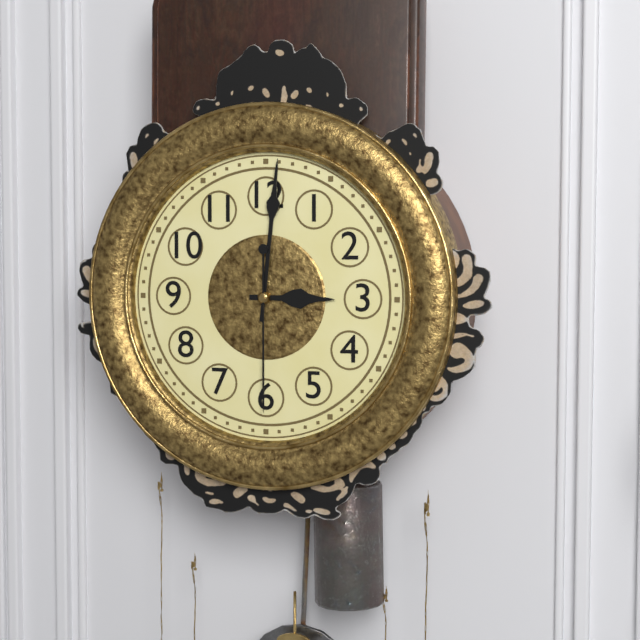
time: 3:01:30
